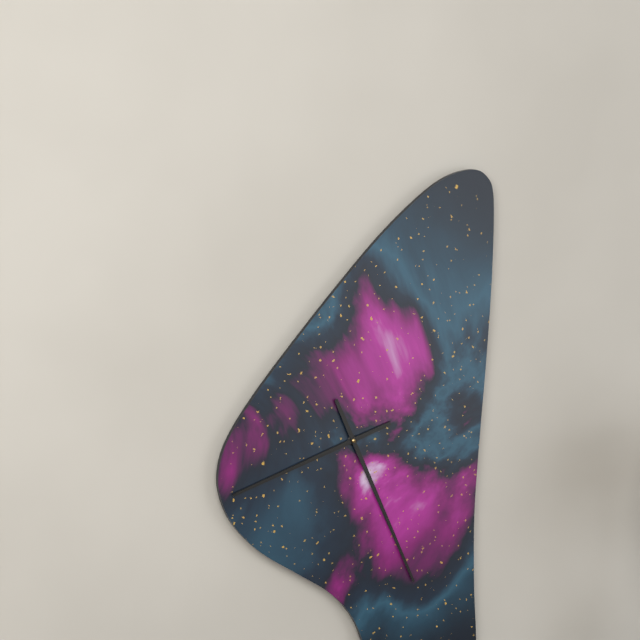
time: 8:26
